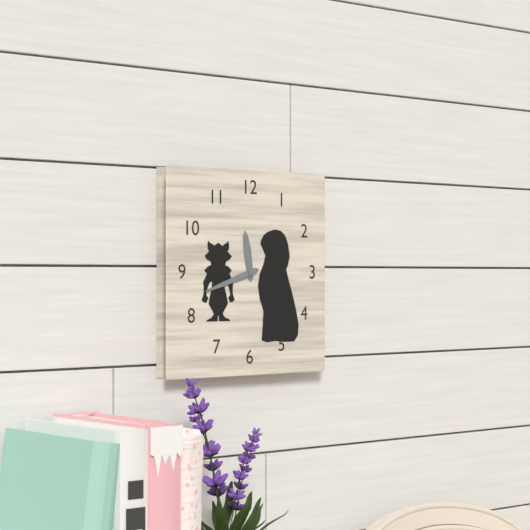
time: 11:42
